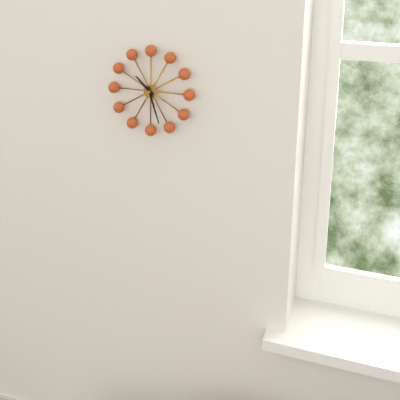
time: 10:27
